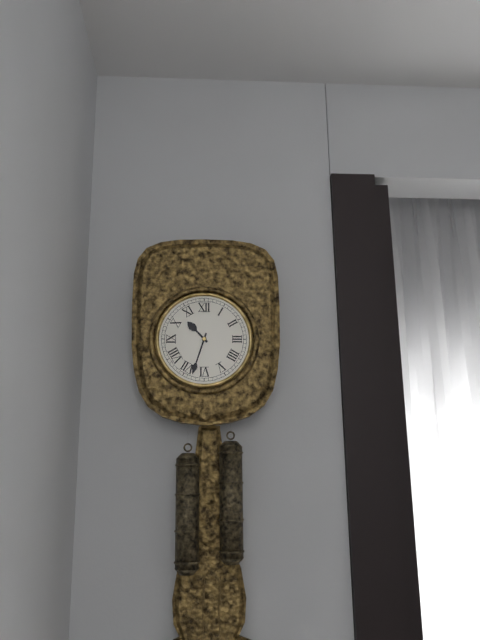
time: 10:33
